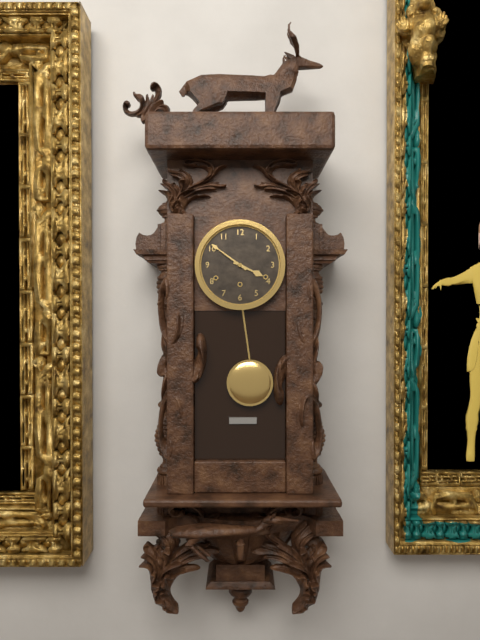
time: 3:51
